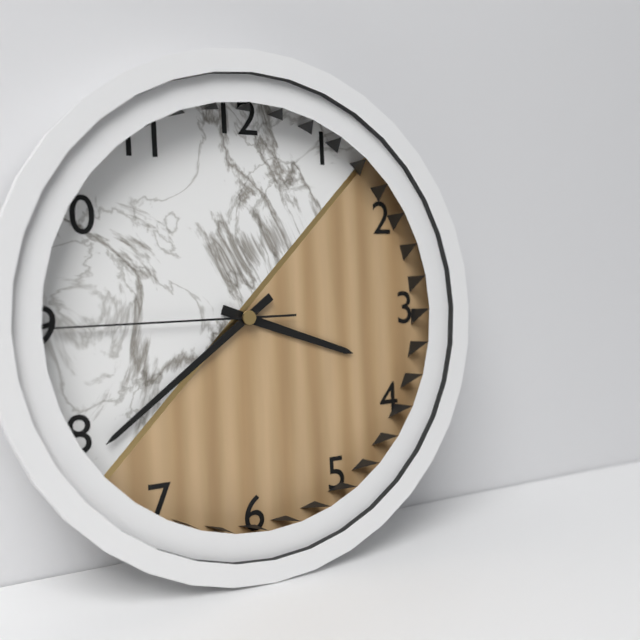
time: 3:39:45
